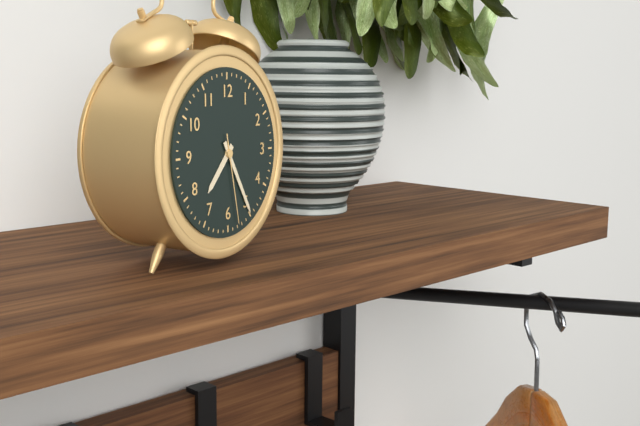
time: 7:25:28
